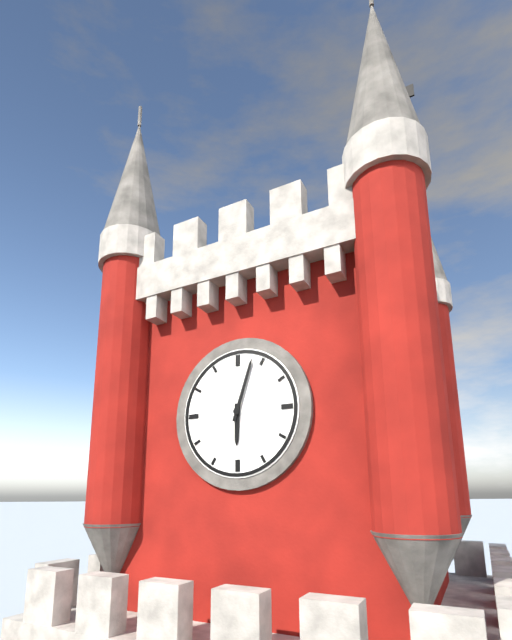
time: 6:03
